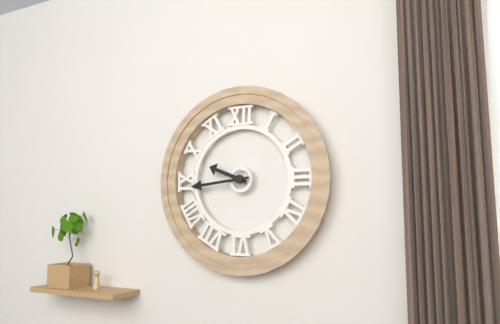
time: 9:44
